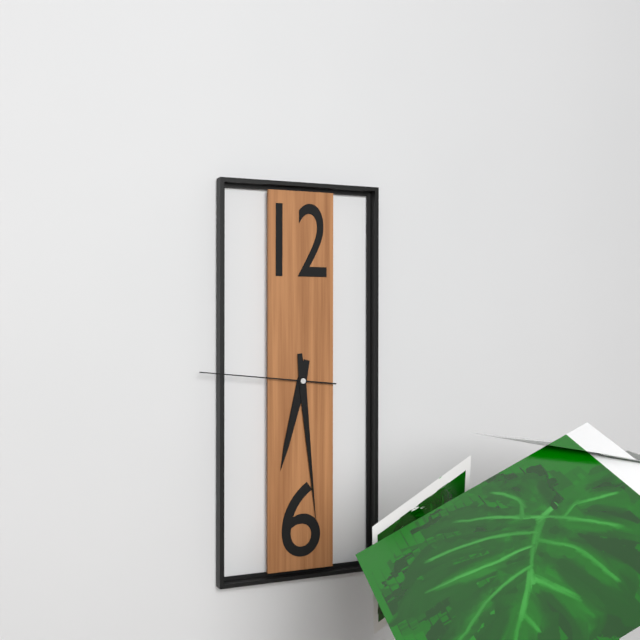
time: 6:29:46
